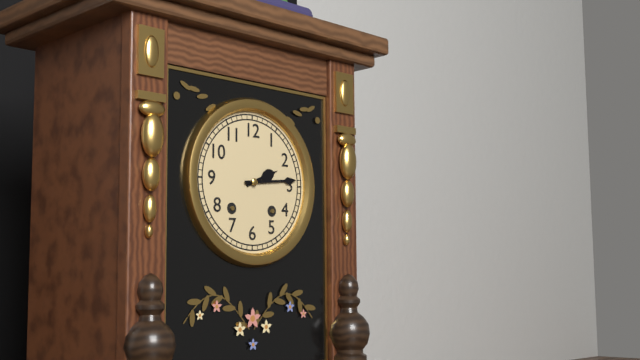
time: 2:14
